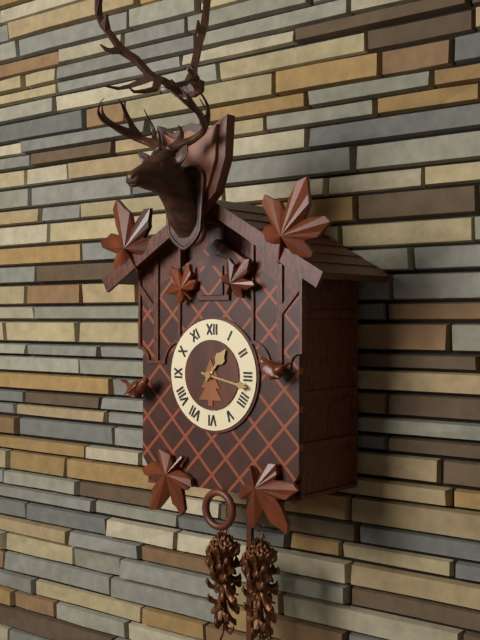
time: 1:17
